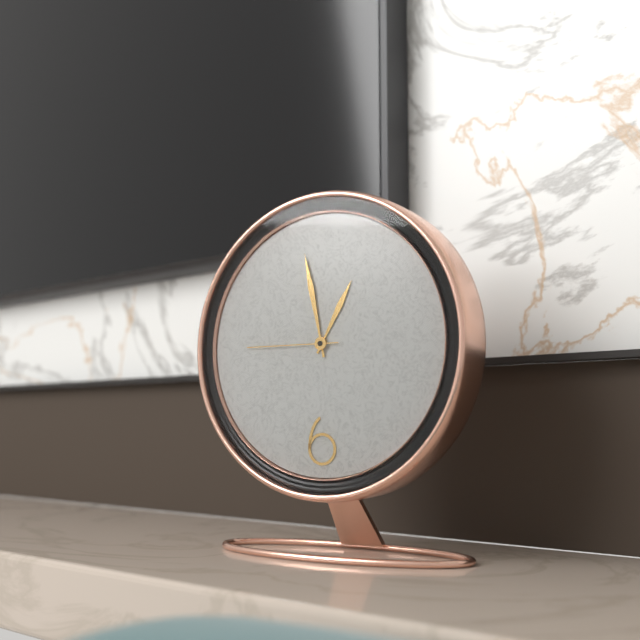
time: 12:58:45
